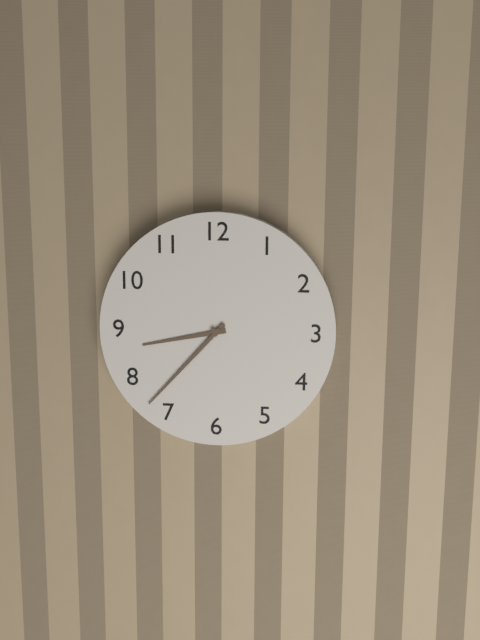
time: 8:37
